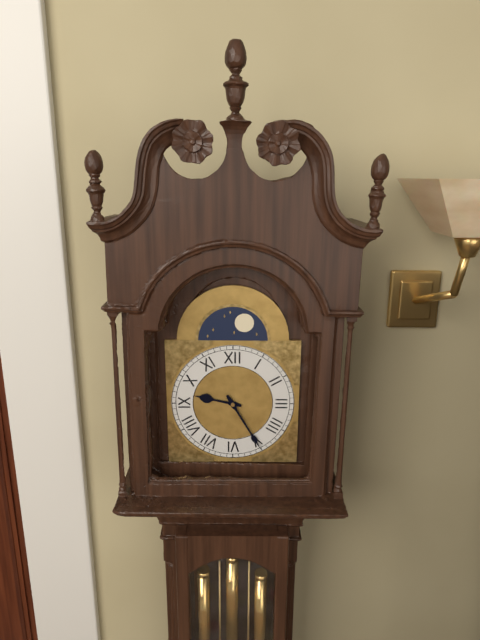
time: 9:25
